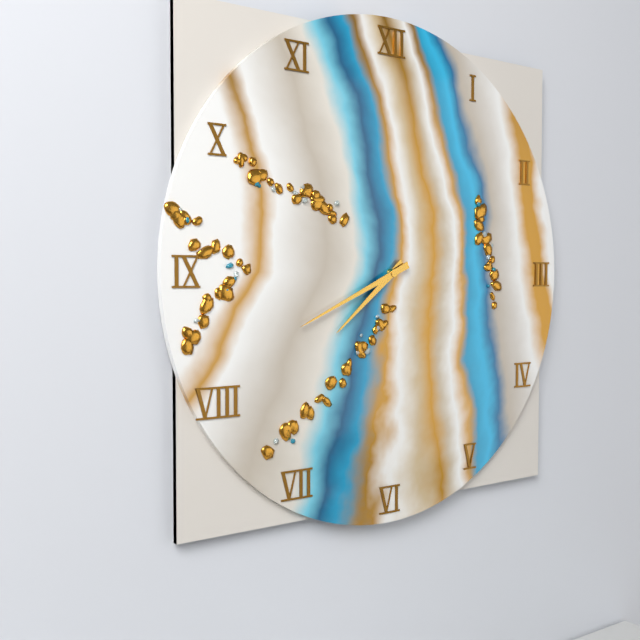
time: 7:41
